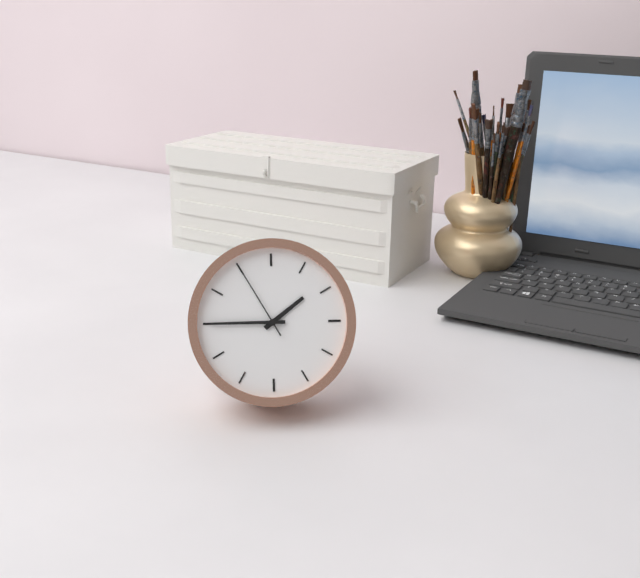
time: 1:45:55
